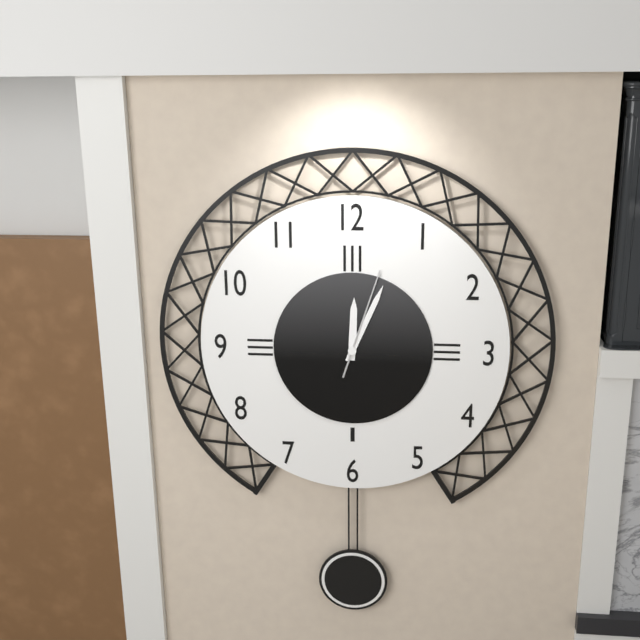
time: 12:04:03
